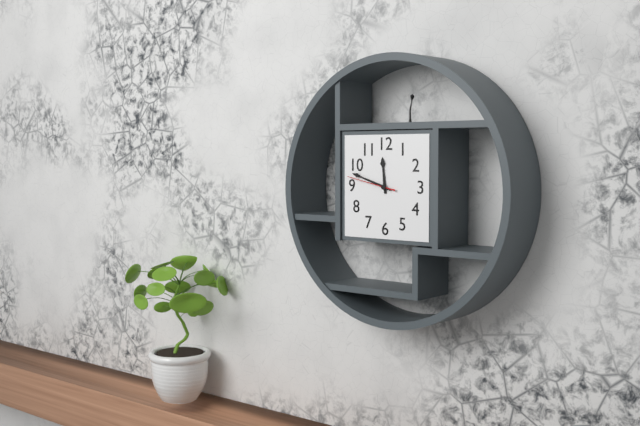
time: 11:48
